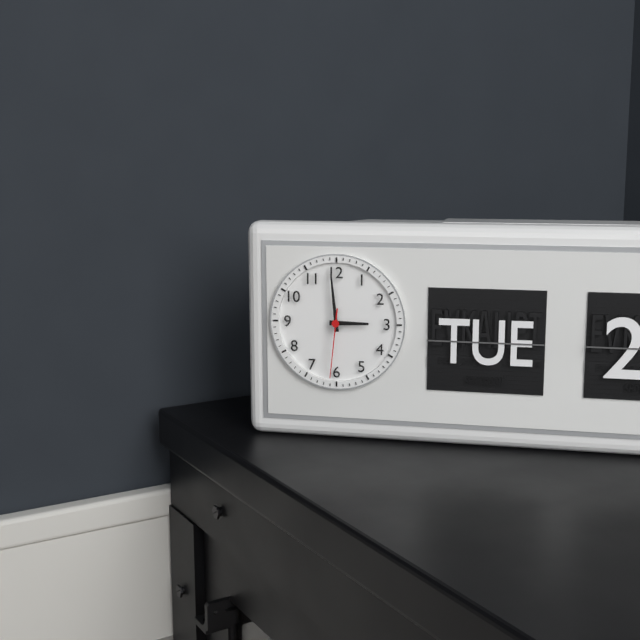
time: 2:59:31
